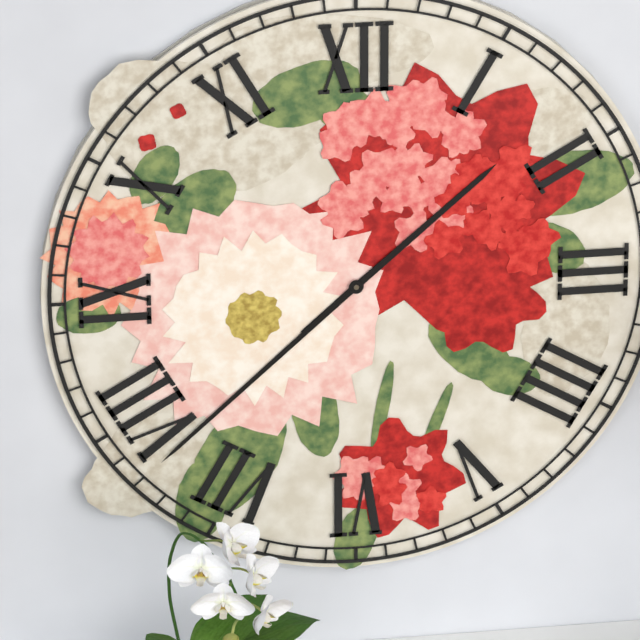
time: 1:38
